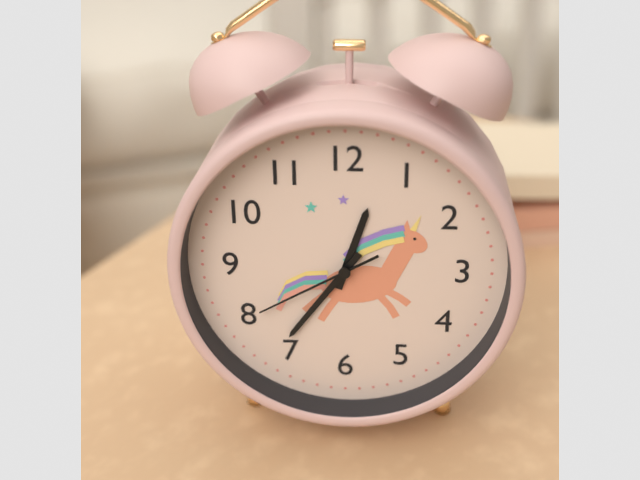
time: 12:36:40
